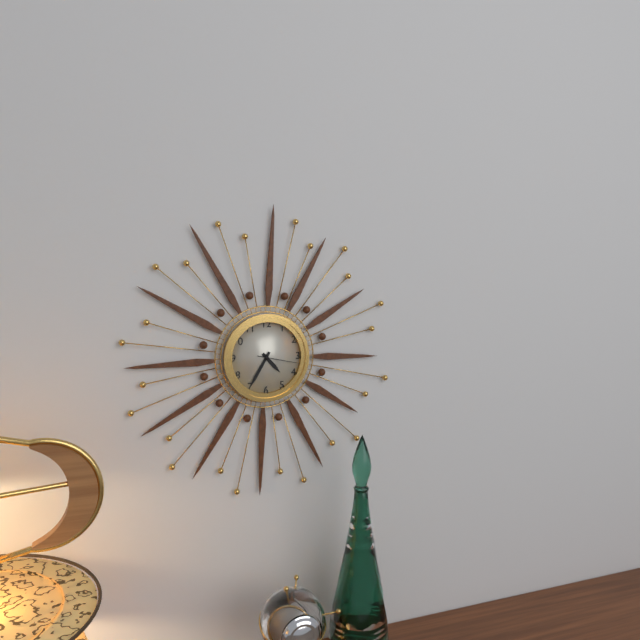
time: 4:35
